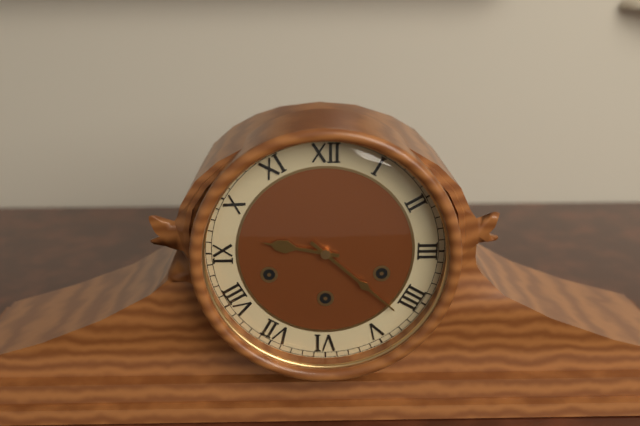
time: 9:22
